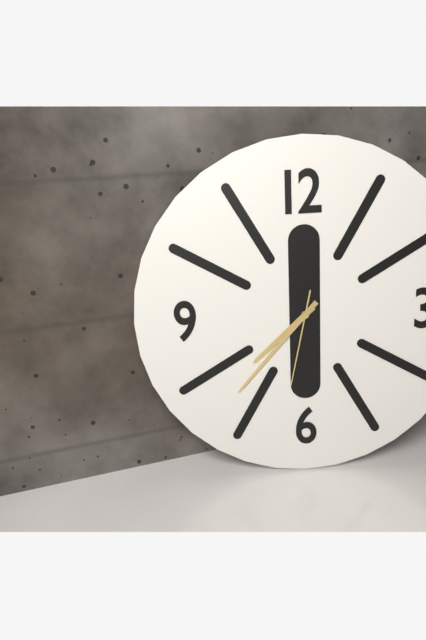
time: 7:37:32
